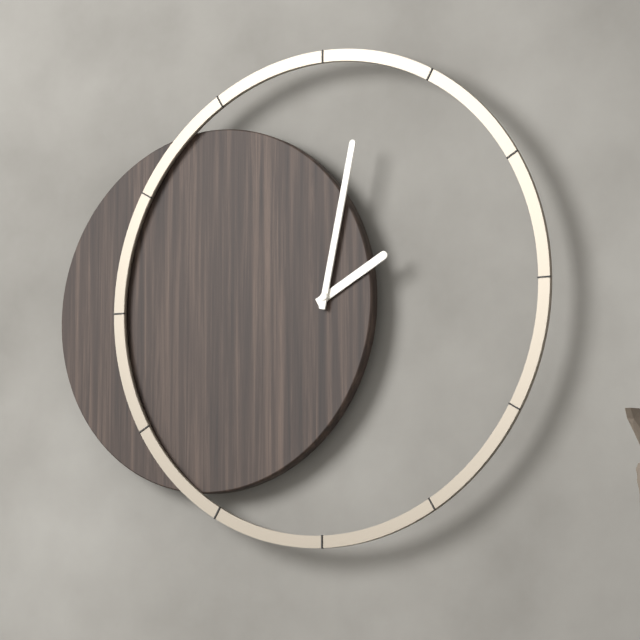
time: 2:02
